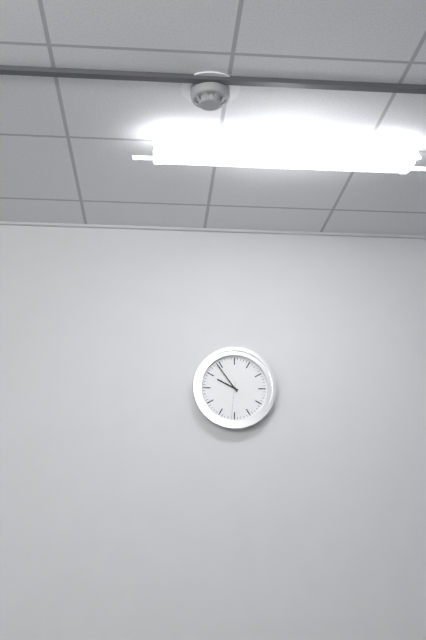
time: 9:54
